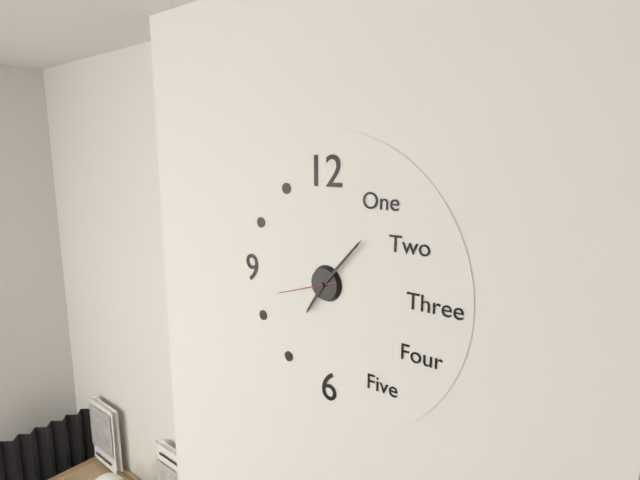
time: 7:07:42
